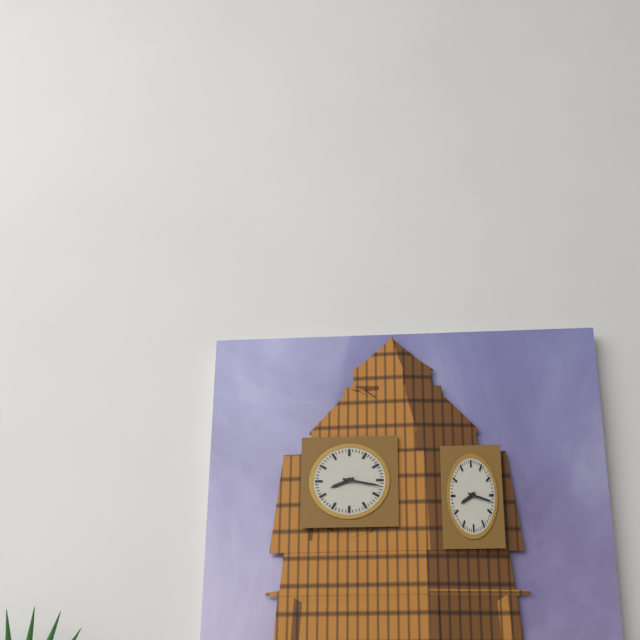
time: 8:17
